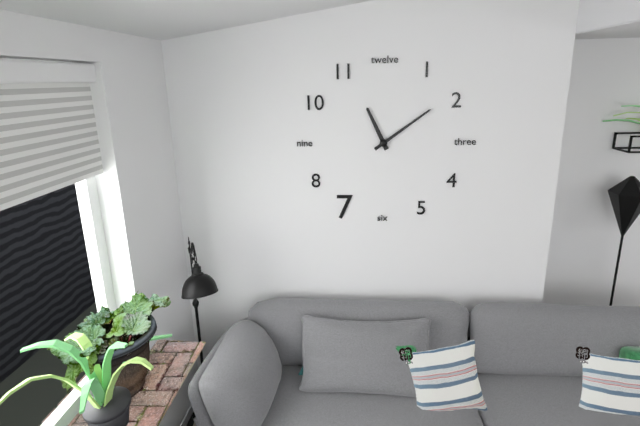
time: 11:09
